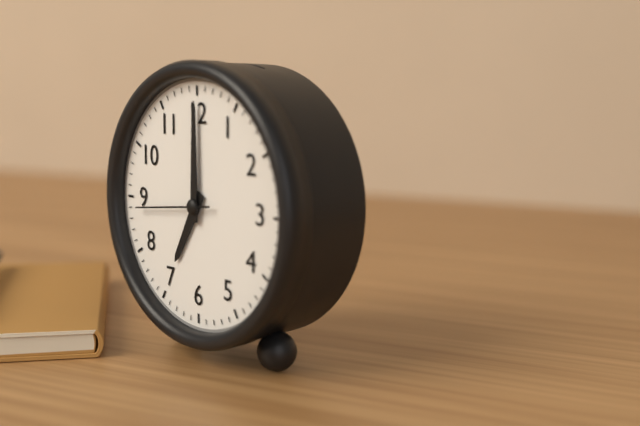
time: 7:00:44
